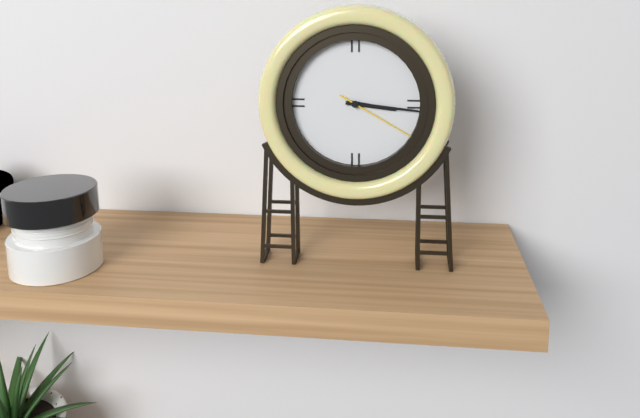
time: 3:16:20
